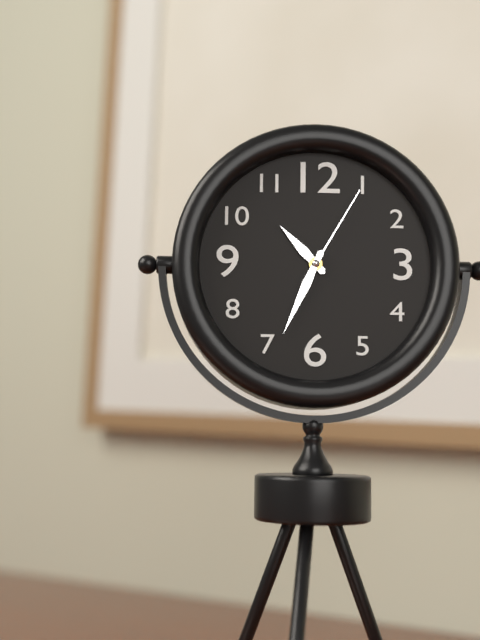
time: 10:34:05
